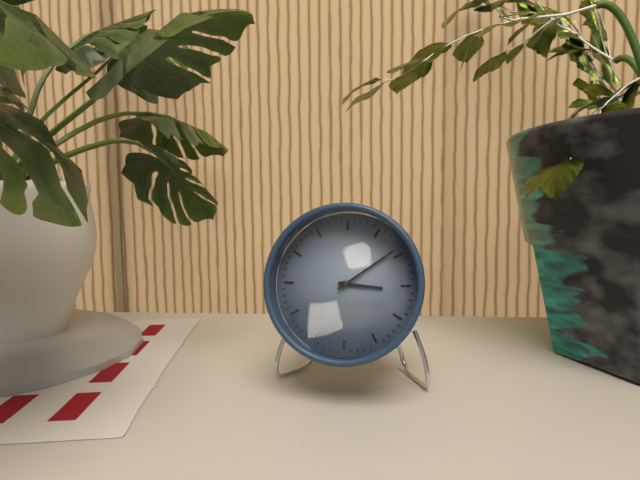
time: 3:09
